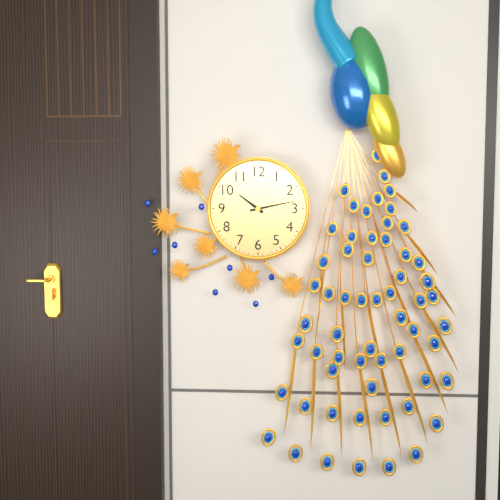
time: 10:13
